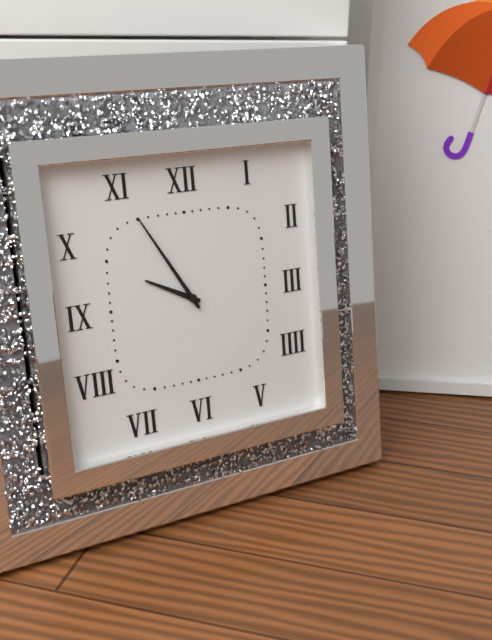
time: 9:55
